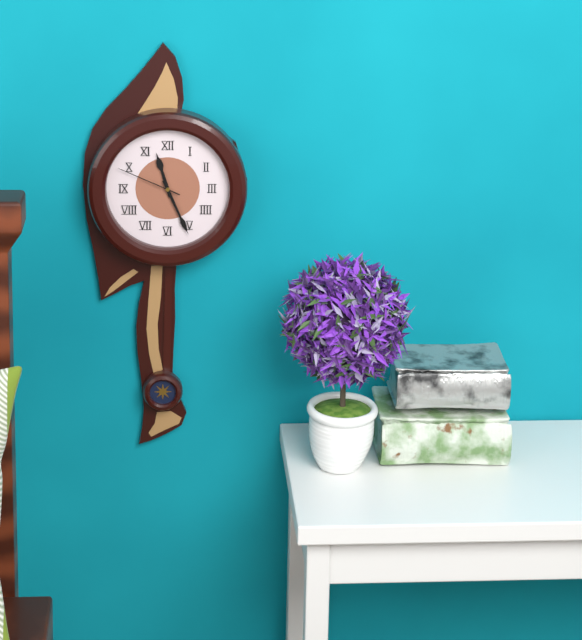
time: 11:26:49
